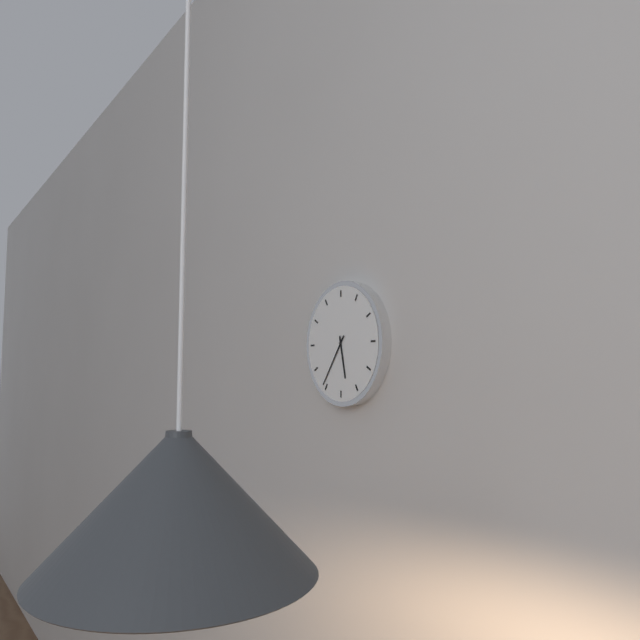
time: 5:36
